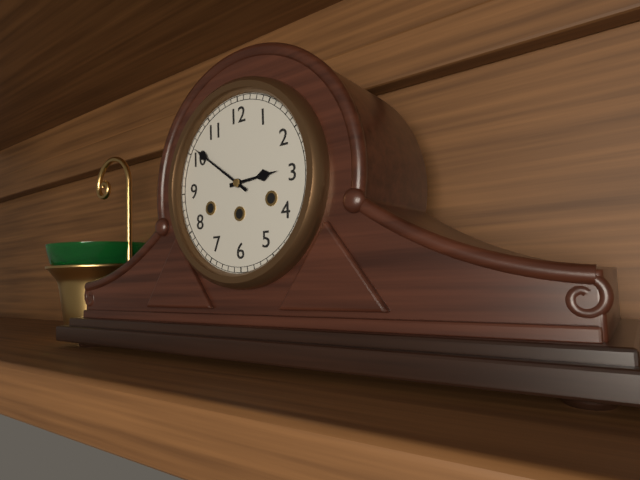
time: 2:51
